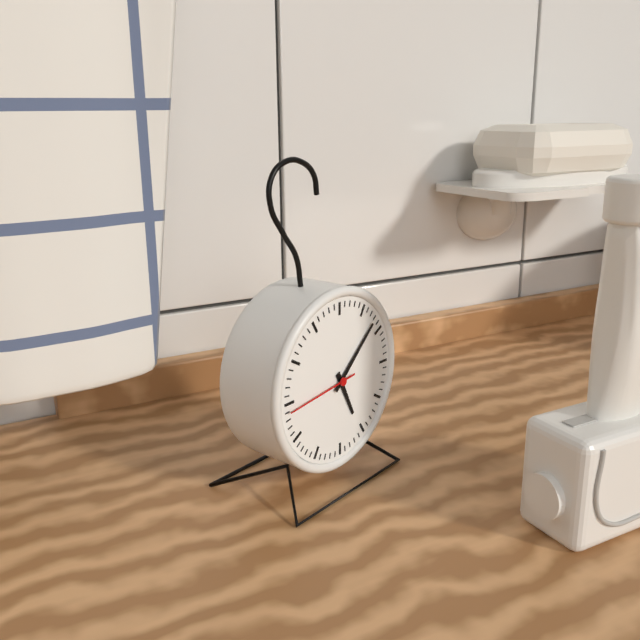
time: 5:08:44
